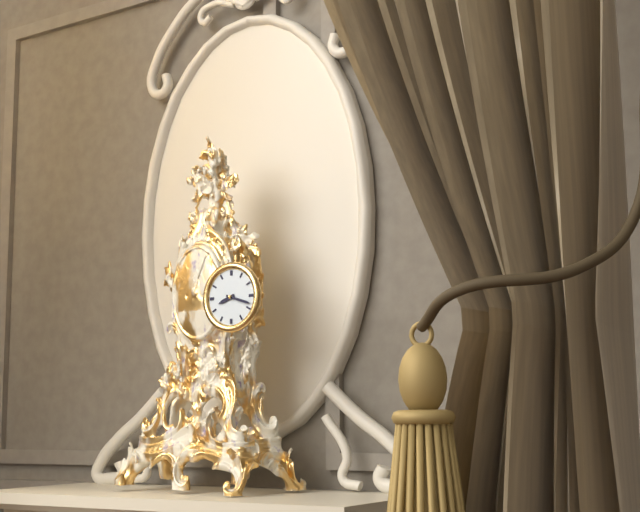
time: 8:18
